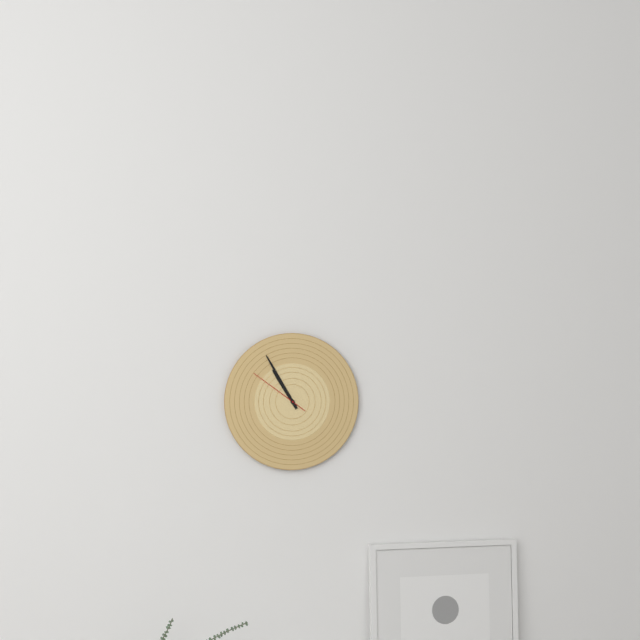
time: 10:55:51
